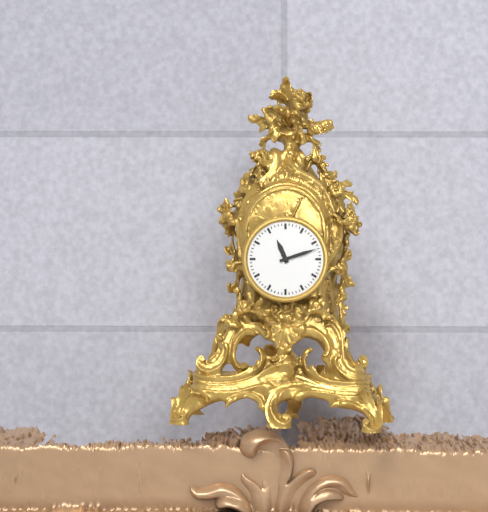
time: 11:12
